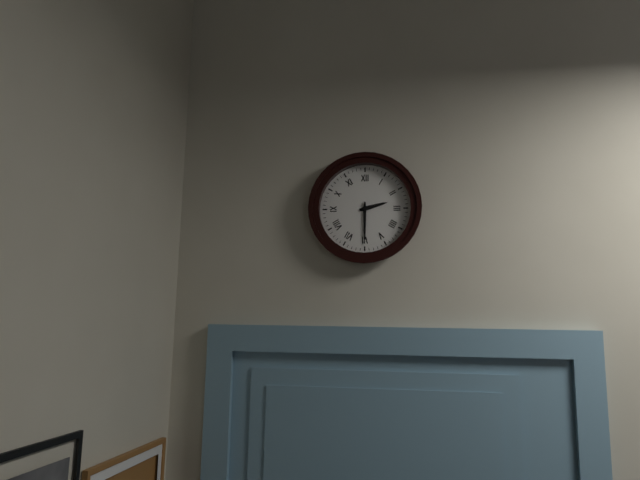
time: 2:30
